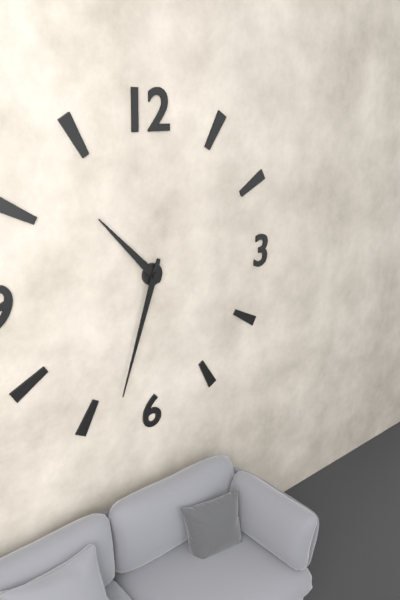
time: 10:33
